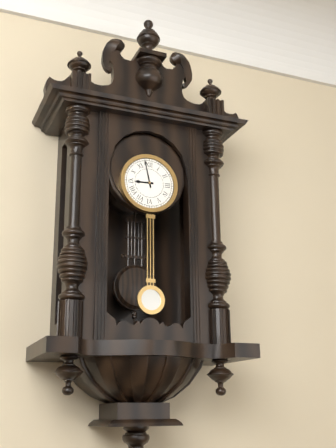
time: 8:58
